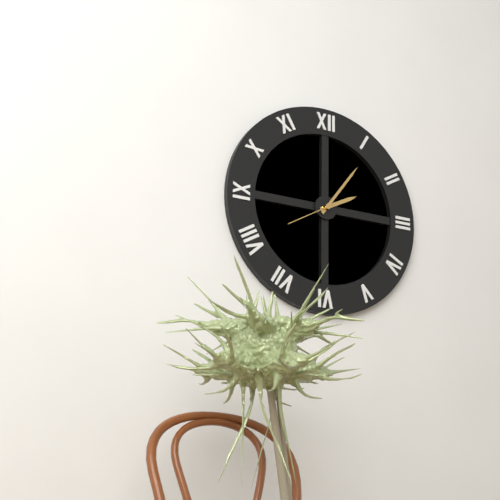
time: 2:06
